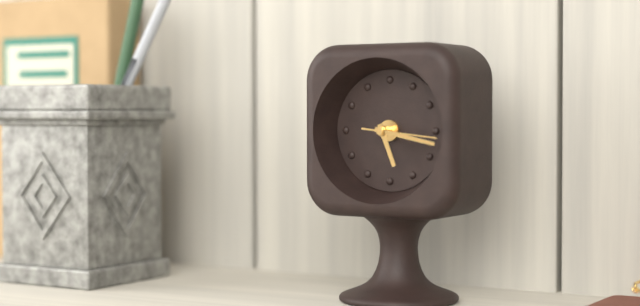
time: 5:17
